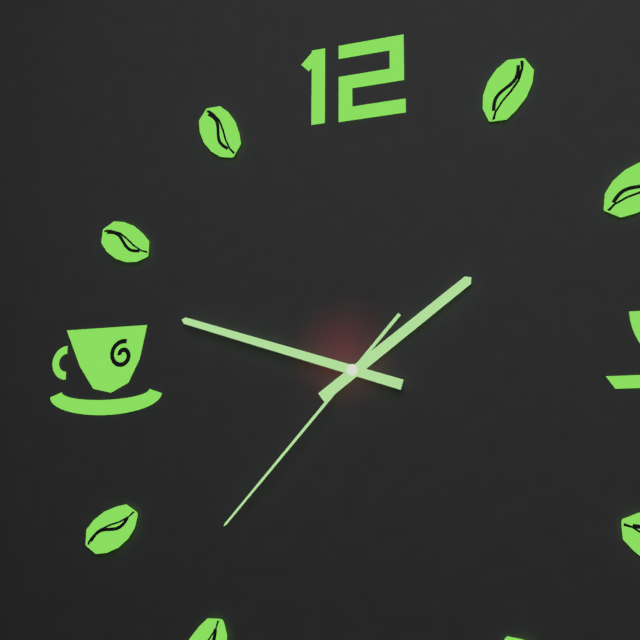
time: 1:48:37
